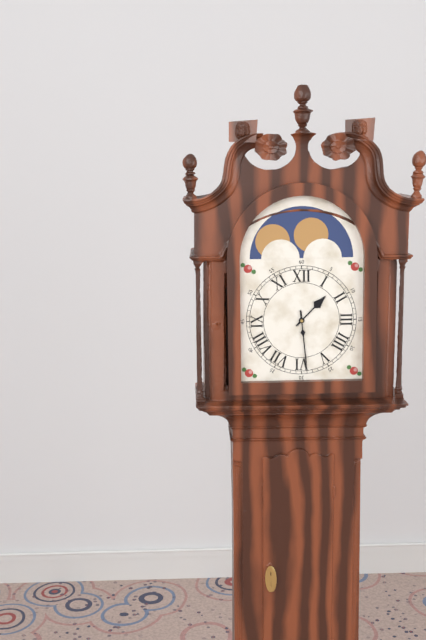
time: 1:29
